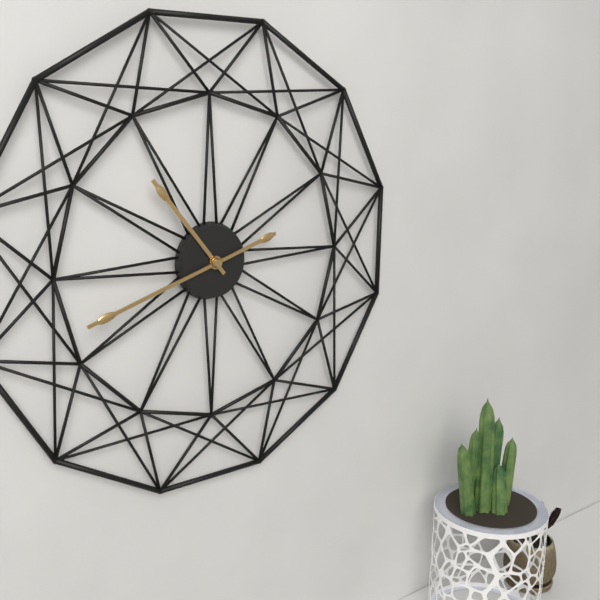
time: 10:42
